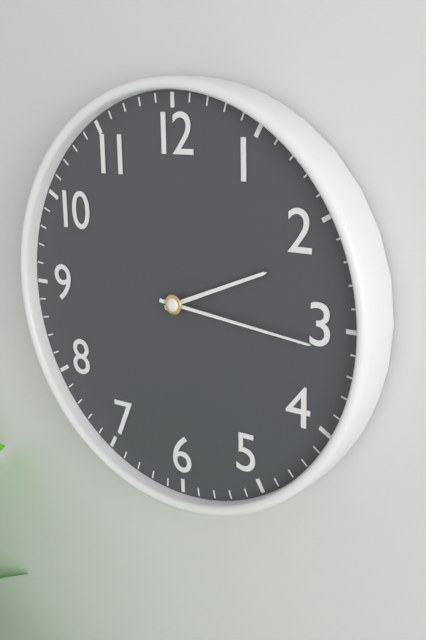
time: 2:16
